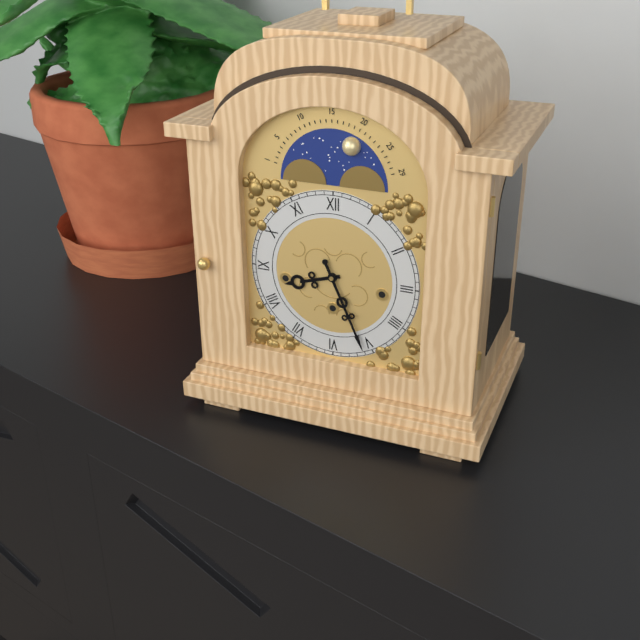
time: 8:26
